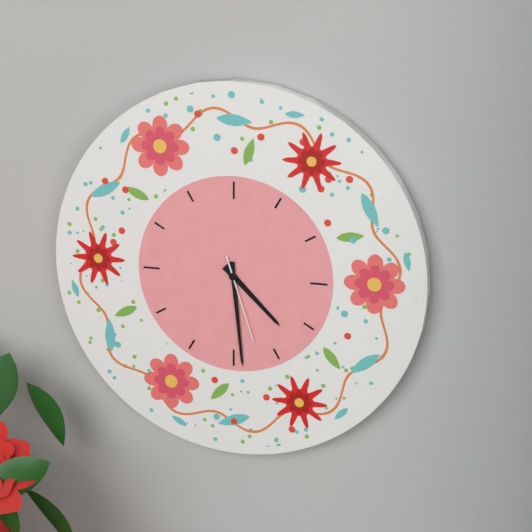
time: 4:29:27
